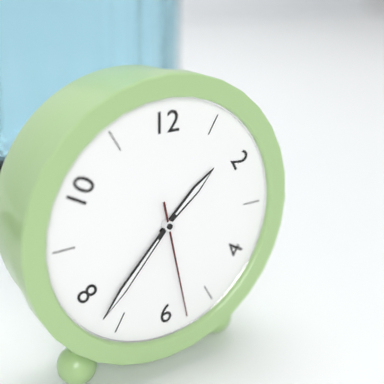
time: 1:37:28
